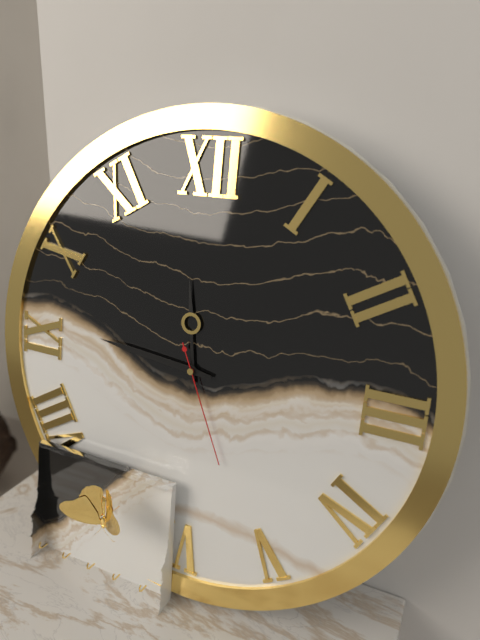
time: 11:46:26
